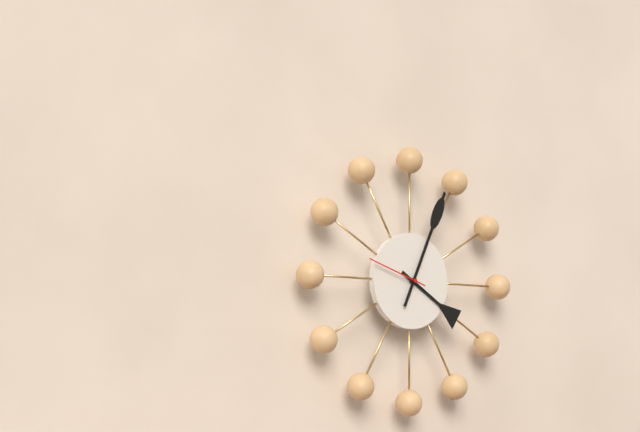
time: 4:04:48
